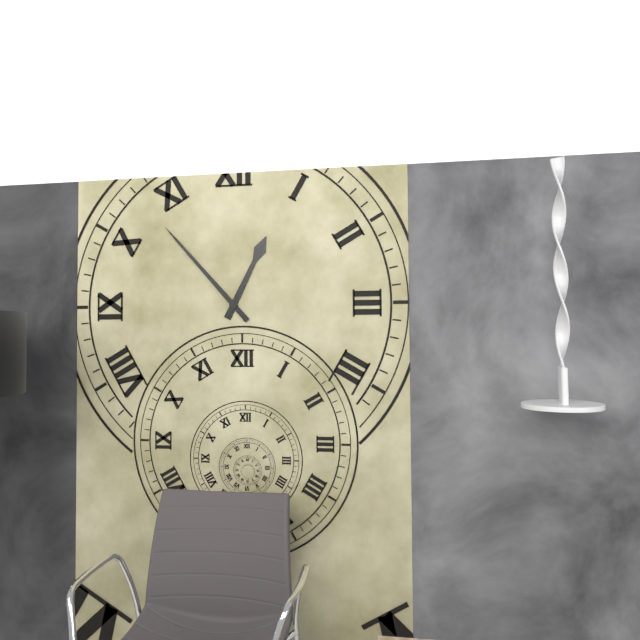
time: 12:53
